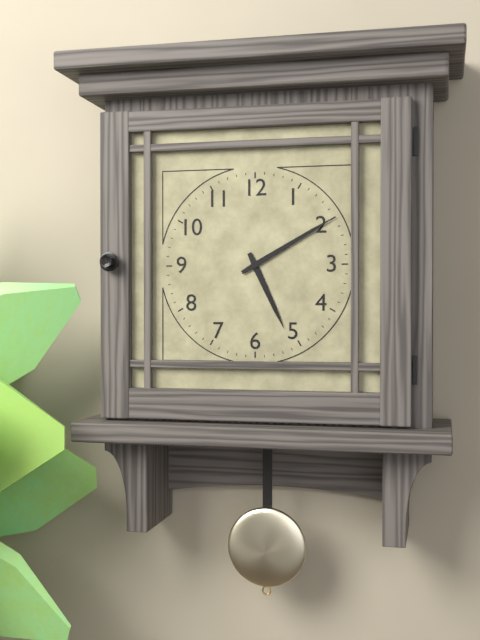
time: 5:10
